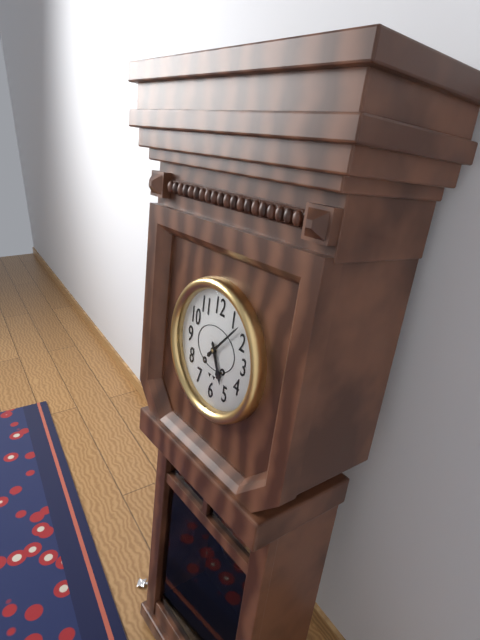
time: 5:07
